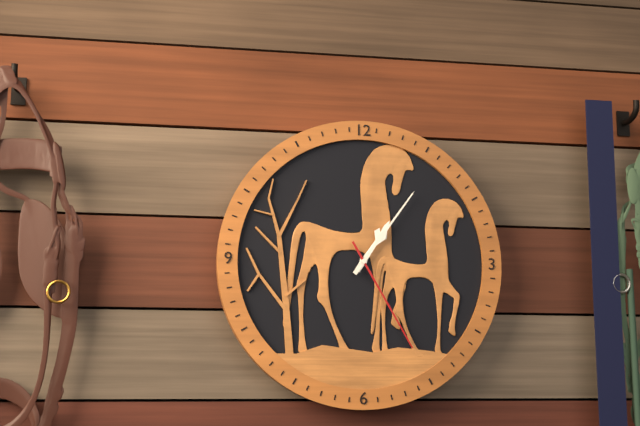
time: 1:06:25
